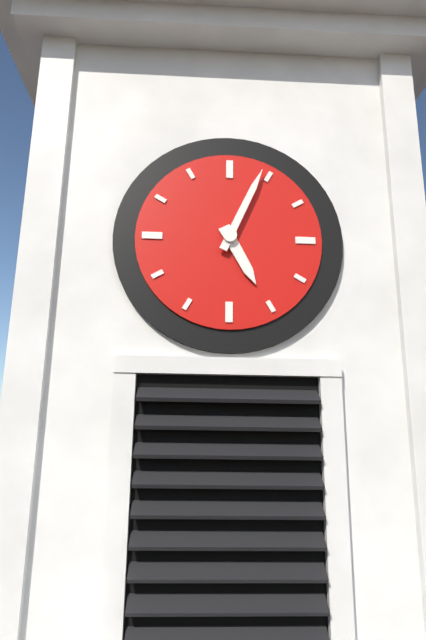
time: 5:04
